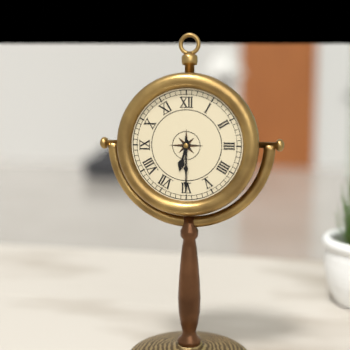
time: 6:30
